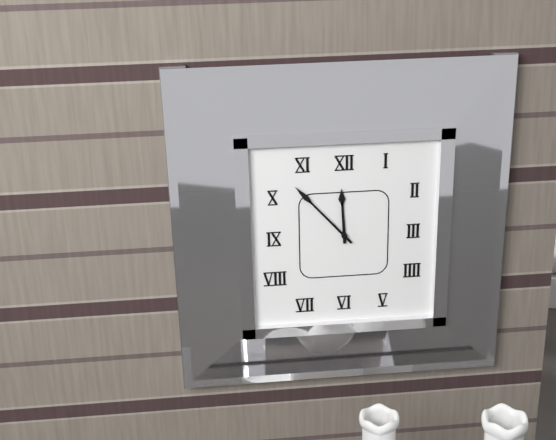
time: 11:53
